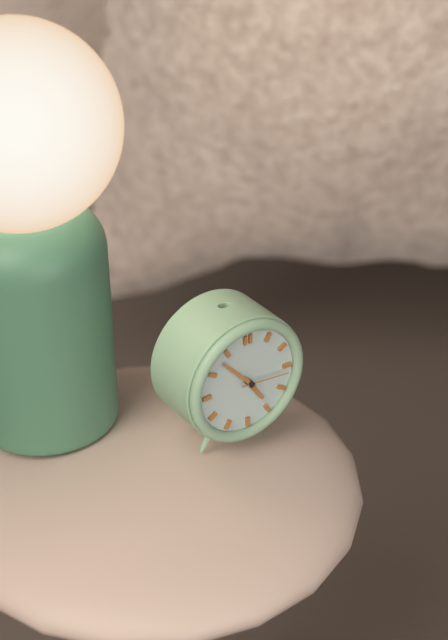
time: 4:53:16
